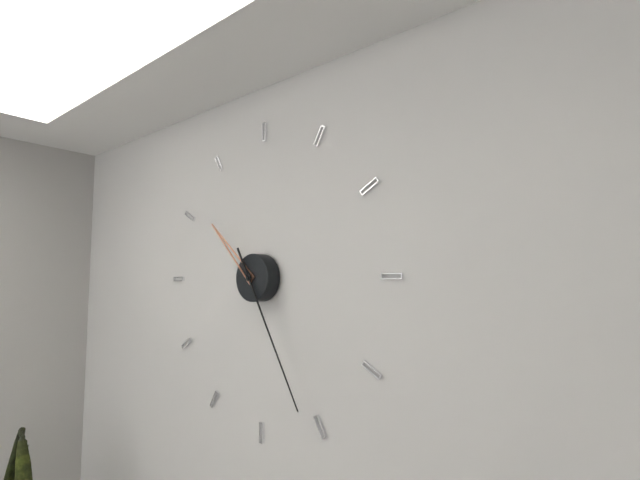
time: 10:25
